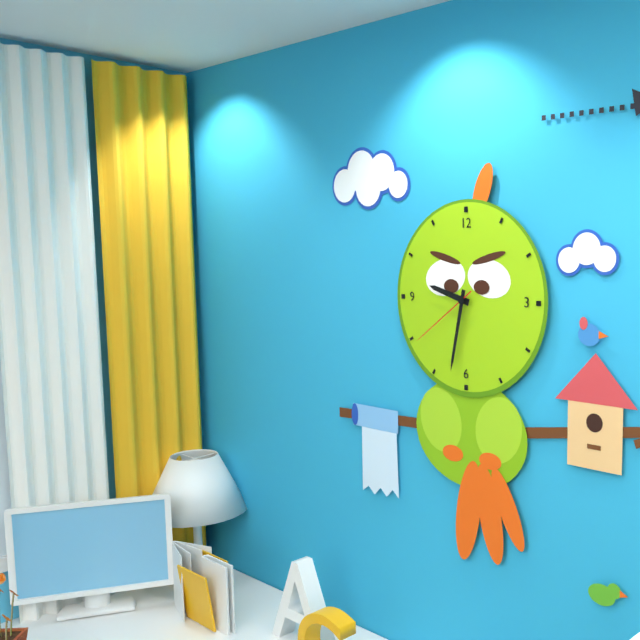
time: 9:32:39
